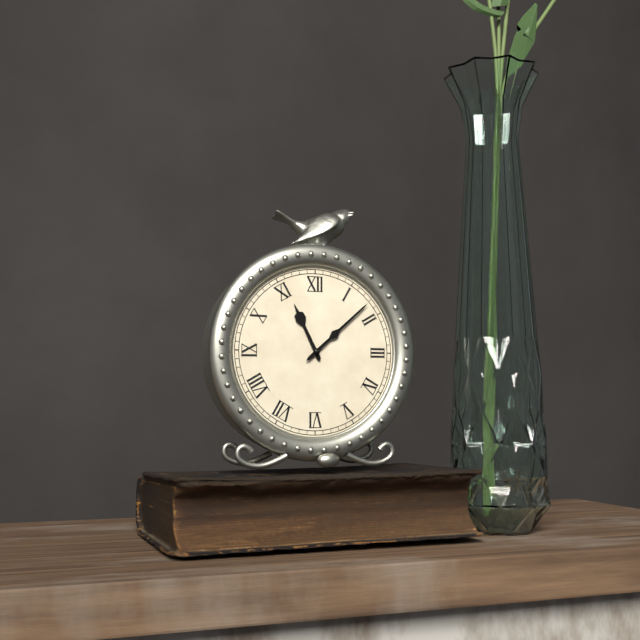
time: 11:08
